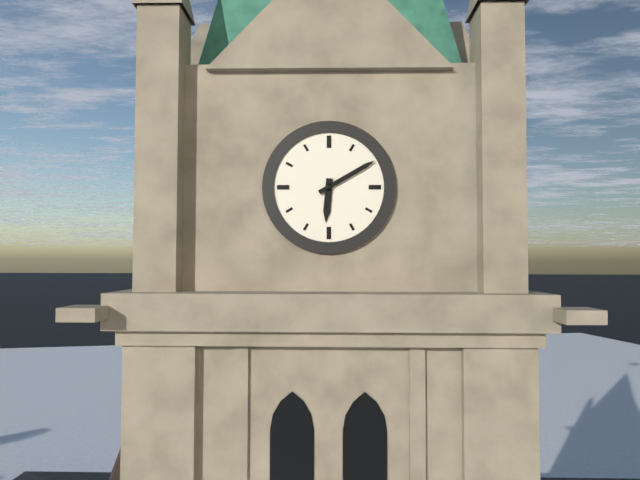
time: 6:10
